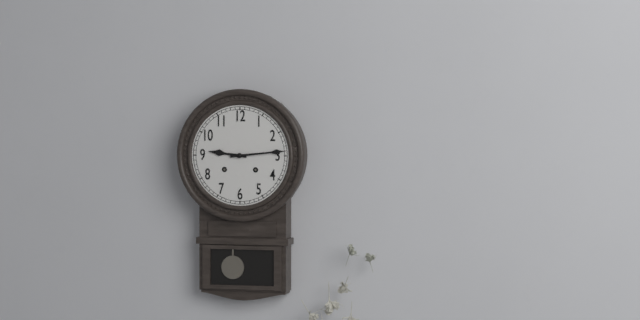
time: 9:14
